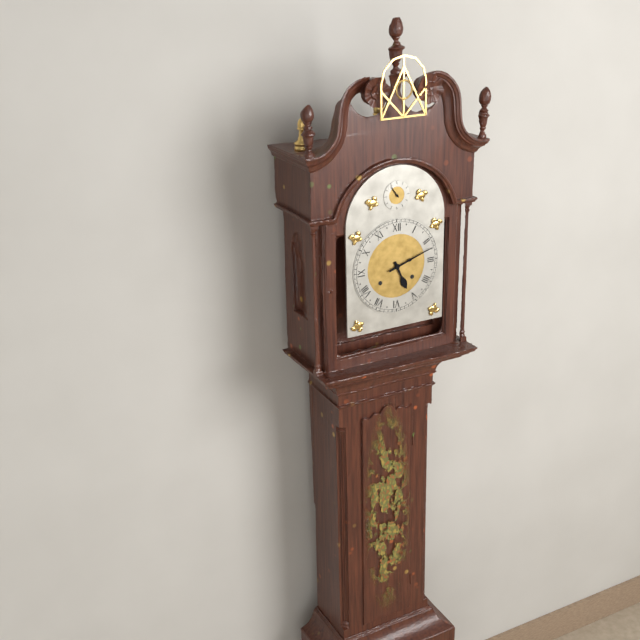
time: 5:12
